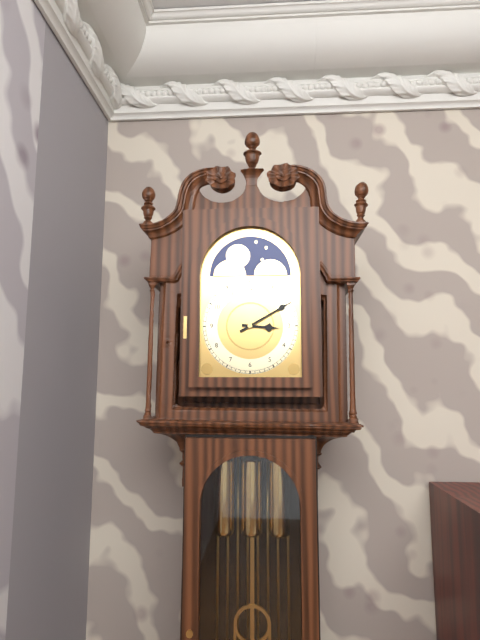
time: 3:10
